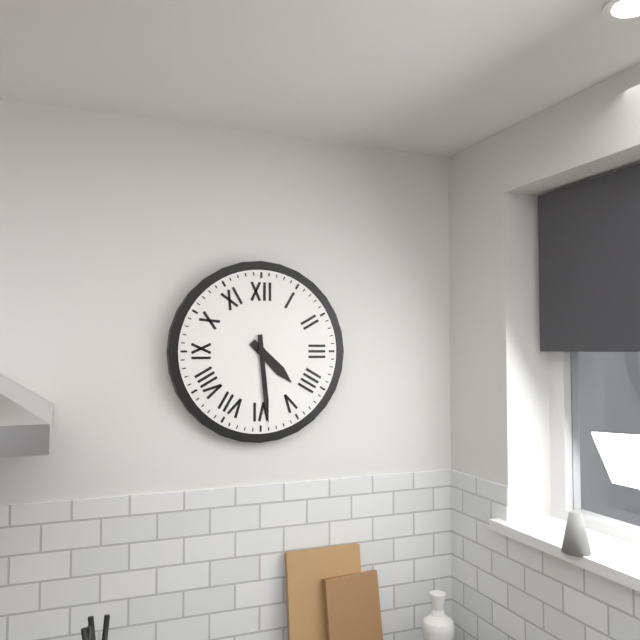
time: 4:29
